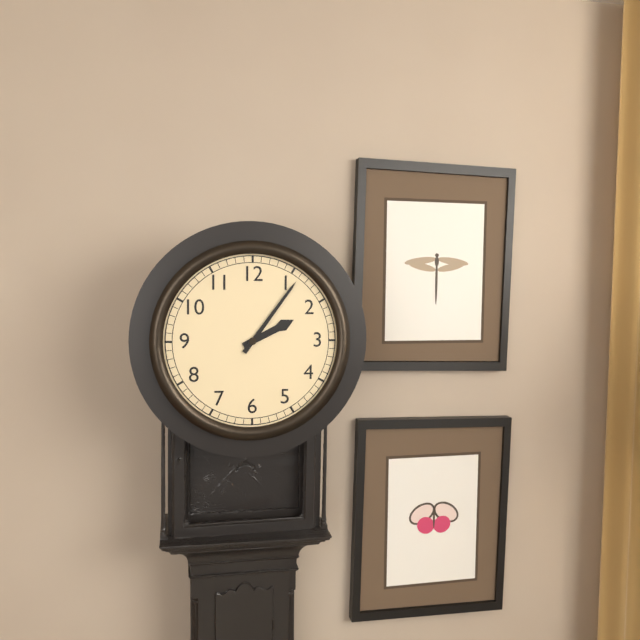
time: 2:06
